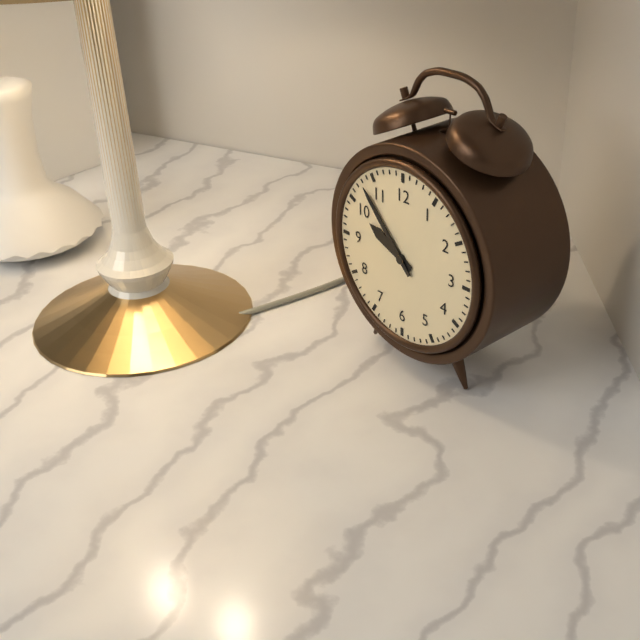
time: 9:53
